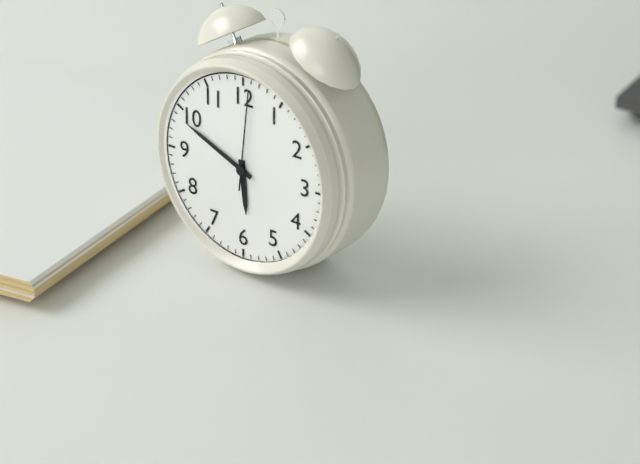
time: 5:49:01
